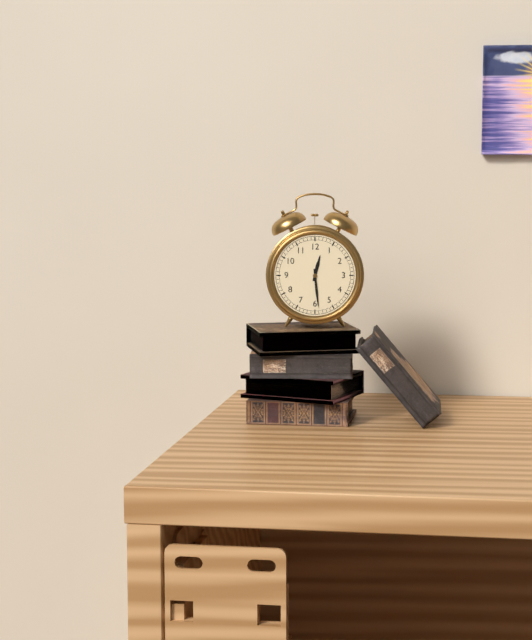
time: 12:29
